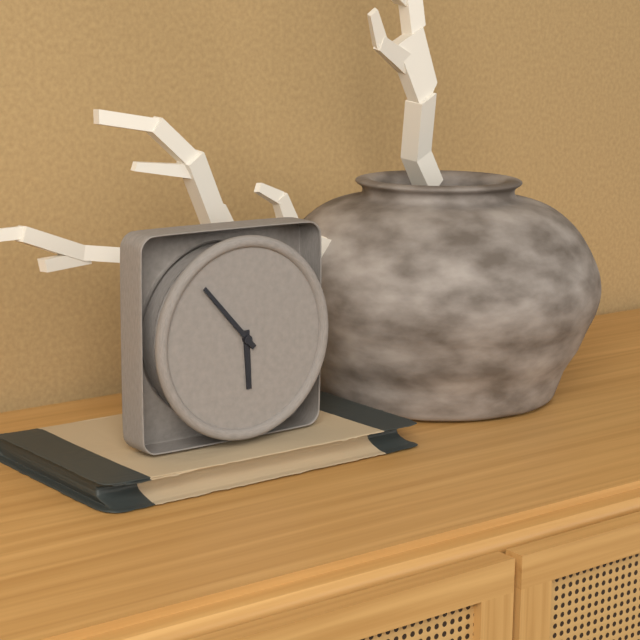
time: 5:53
